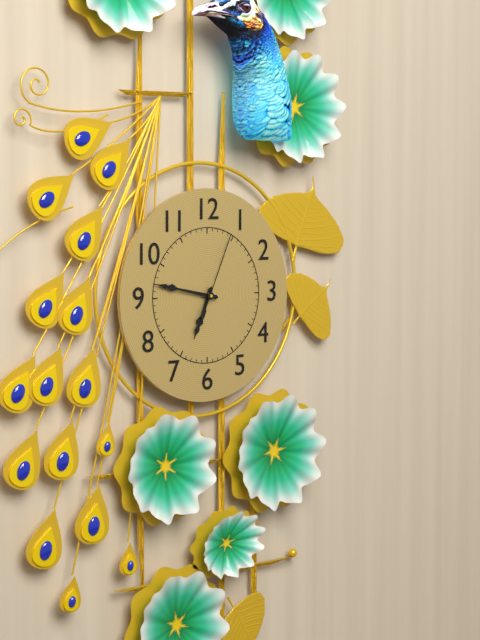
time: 6:47:04
